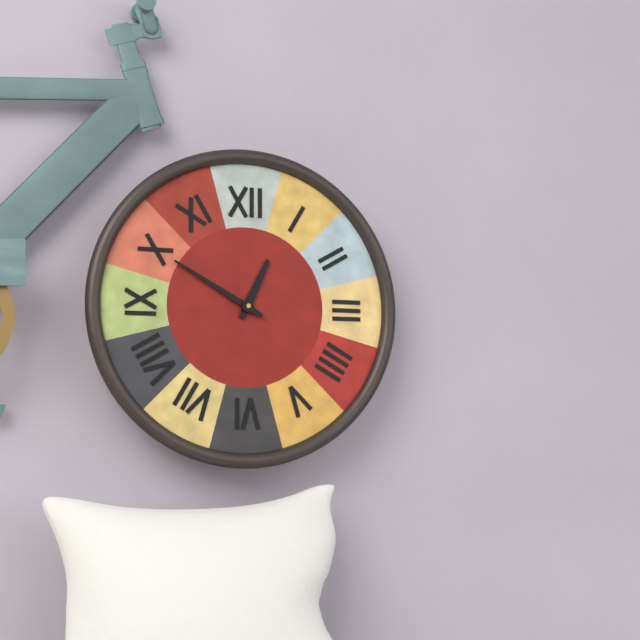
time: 12:50
